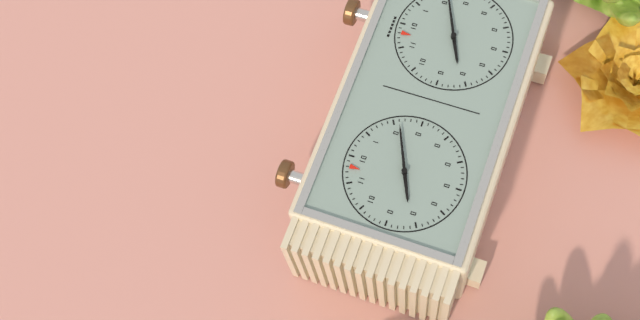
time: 8:11
